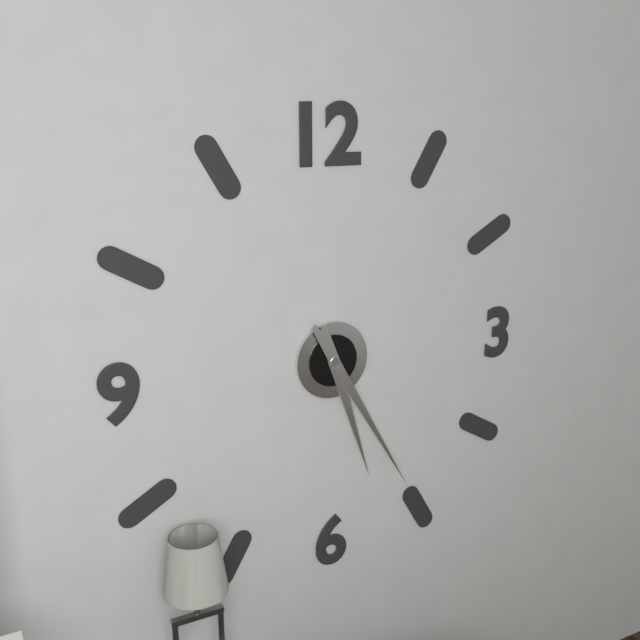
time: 5:25
